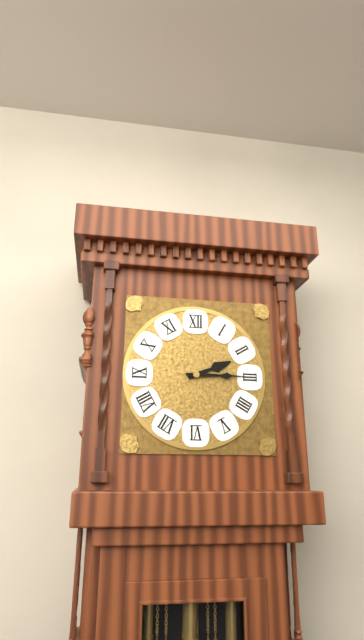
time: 2:15
